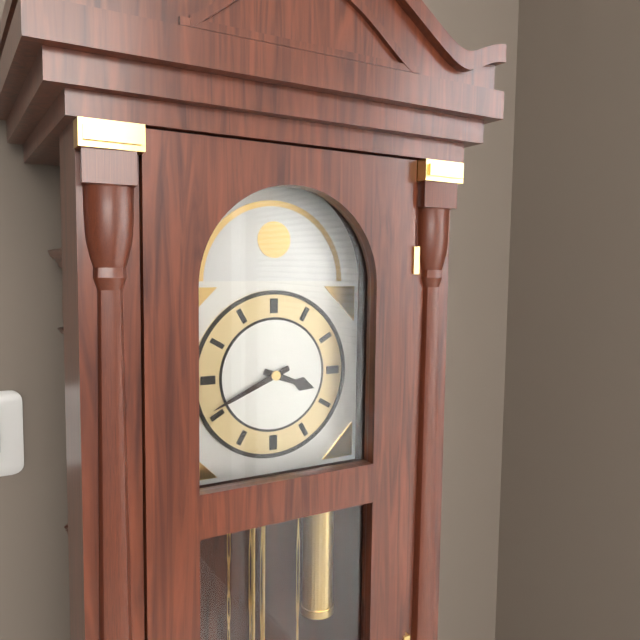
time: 3:41
